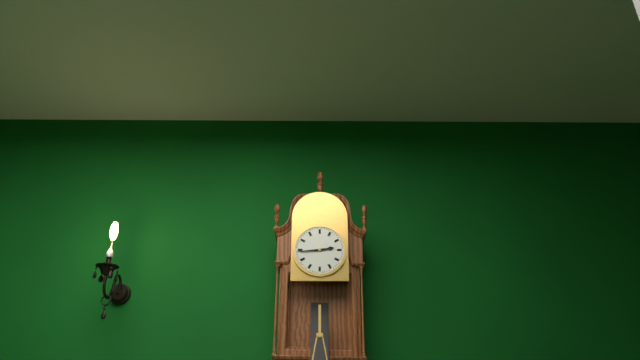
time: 2:44
